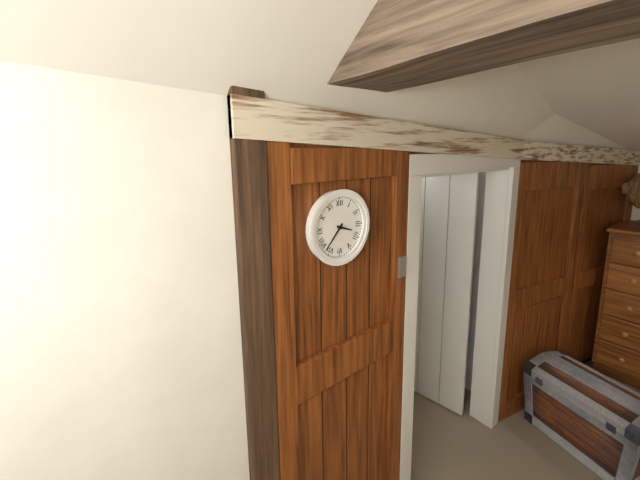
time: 3:37
